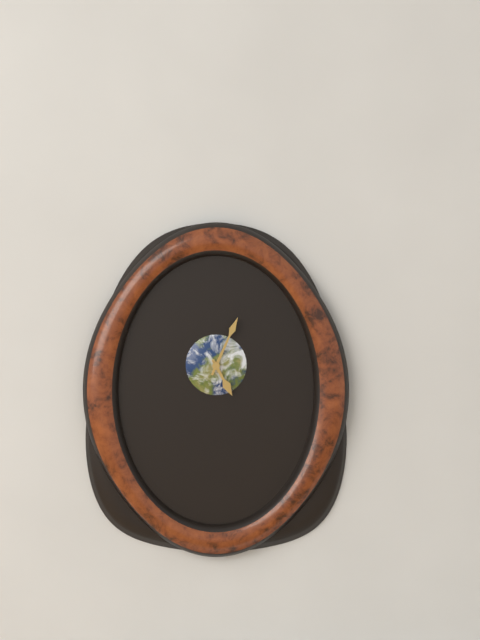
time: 5:04
